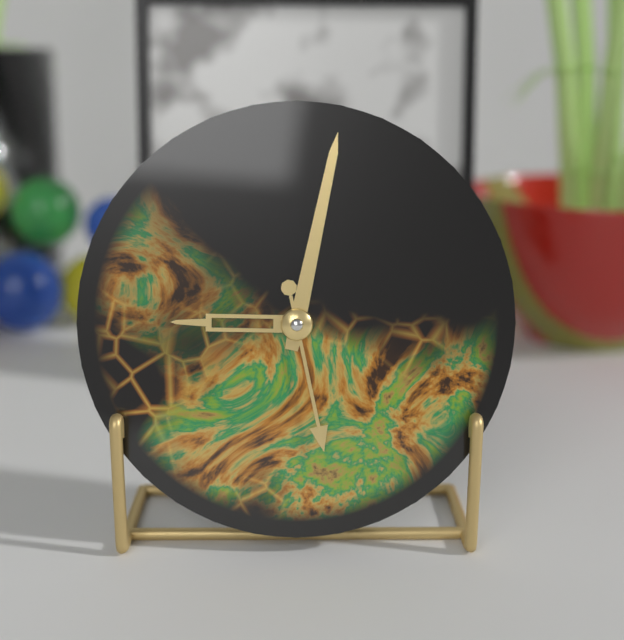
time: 9:02:28
